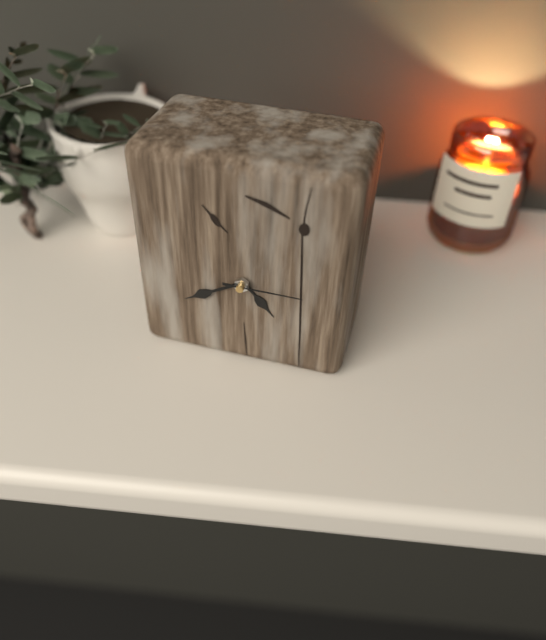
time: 4:40:15
